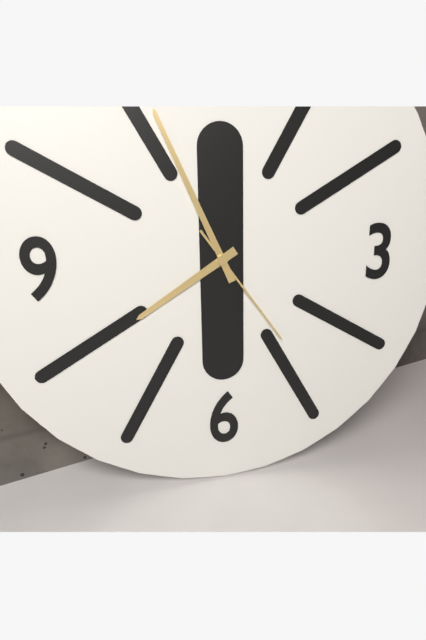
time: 7:56:24
